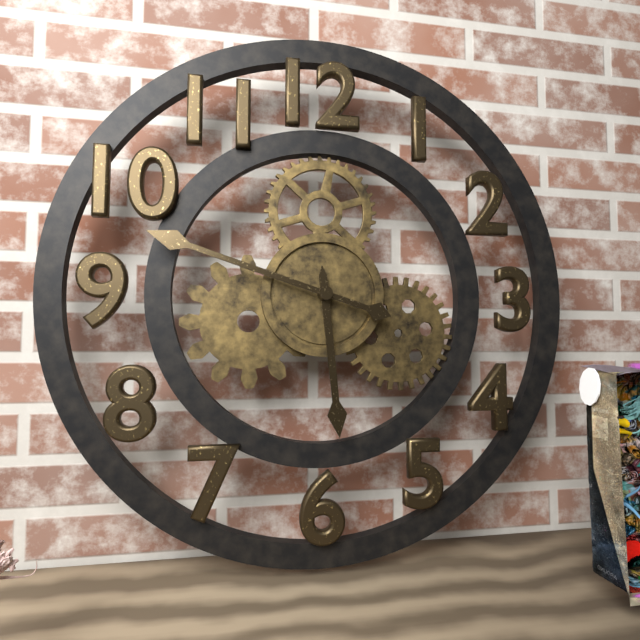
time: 5:48
